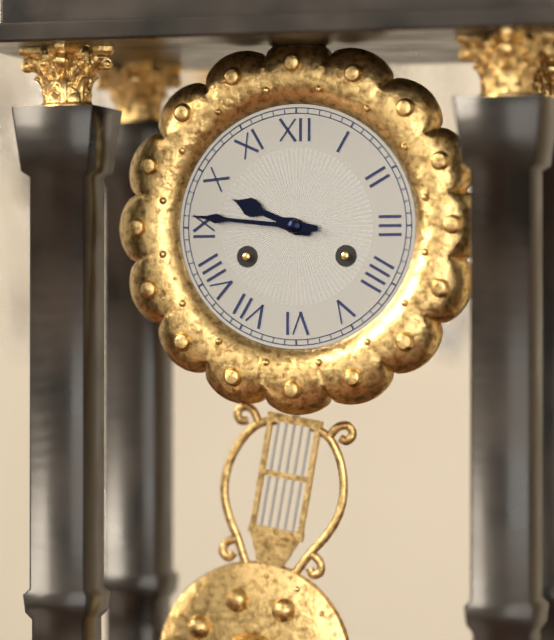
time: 9:46
